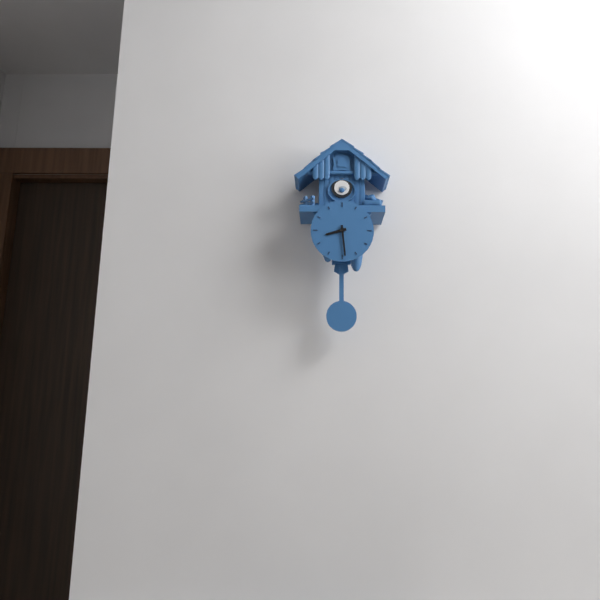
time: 8:29
